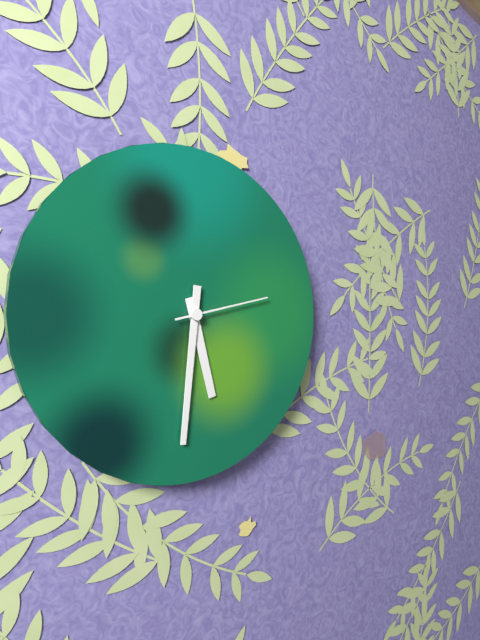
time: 5:31:13
